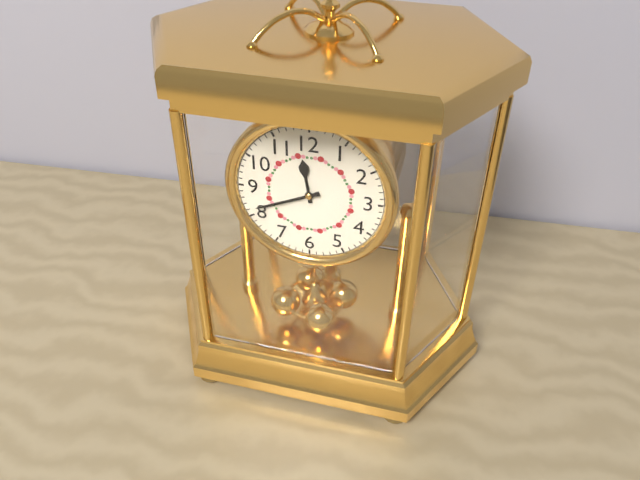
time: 11:41
